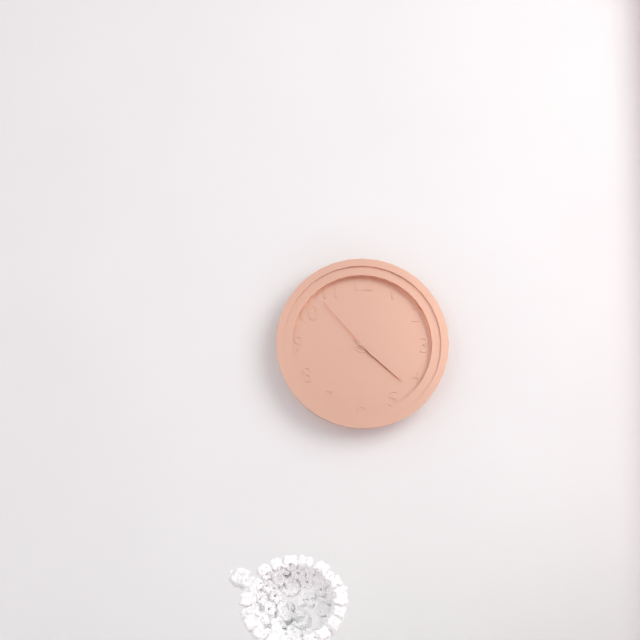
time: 4:22:53
